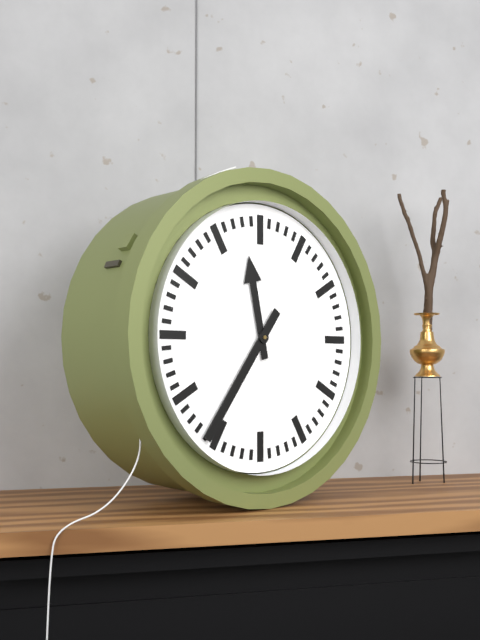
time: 11:36
